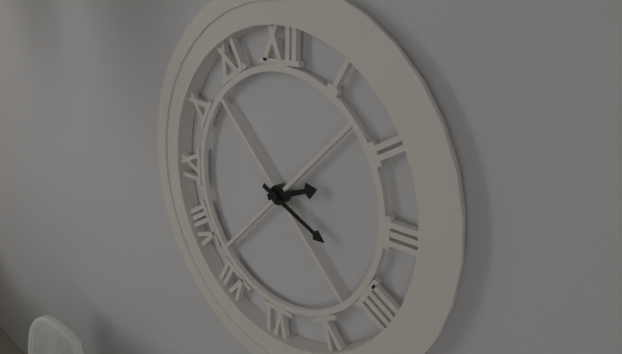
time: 2:19
